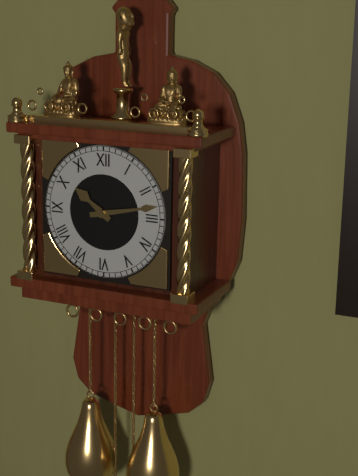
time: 10:13
